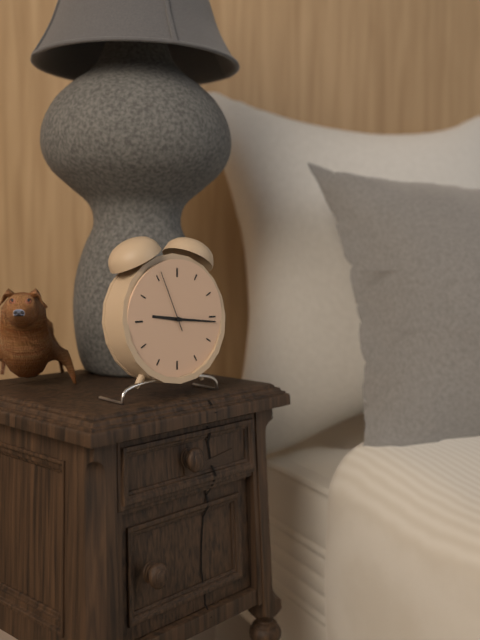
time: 9:16:56
